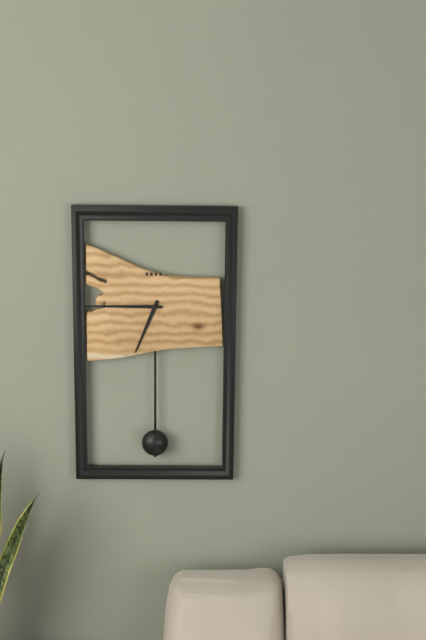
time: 6:45
